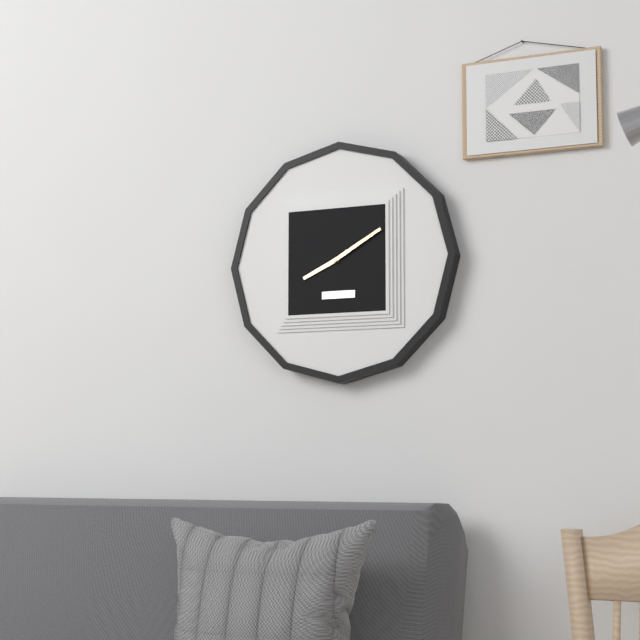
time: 8:10
